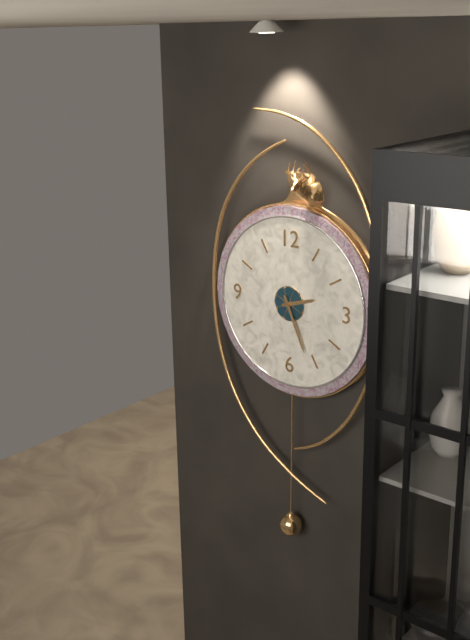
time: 2:26
